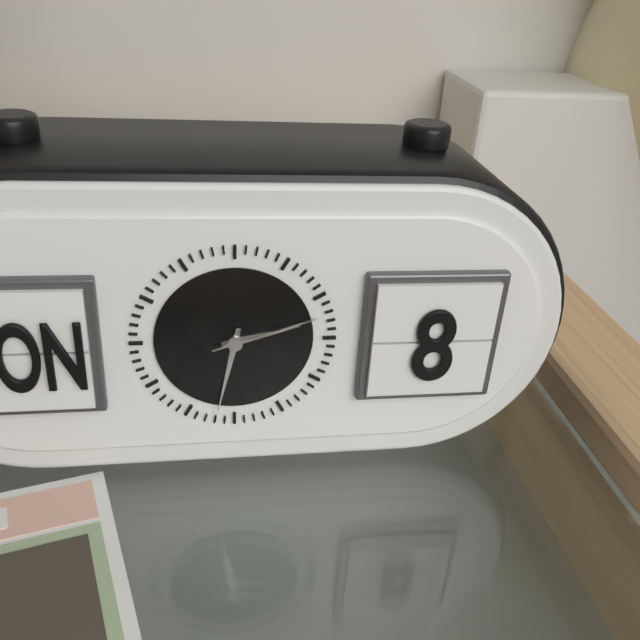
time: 2:32:12
